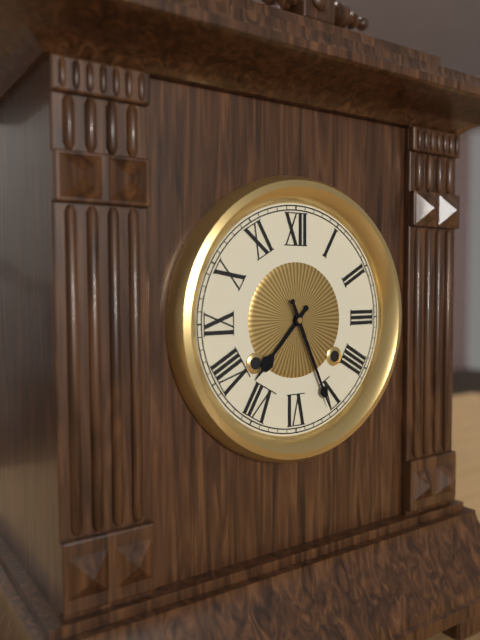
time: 7:26
